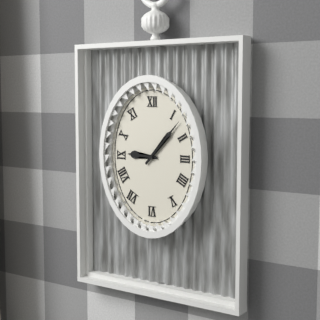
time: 9:07
